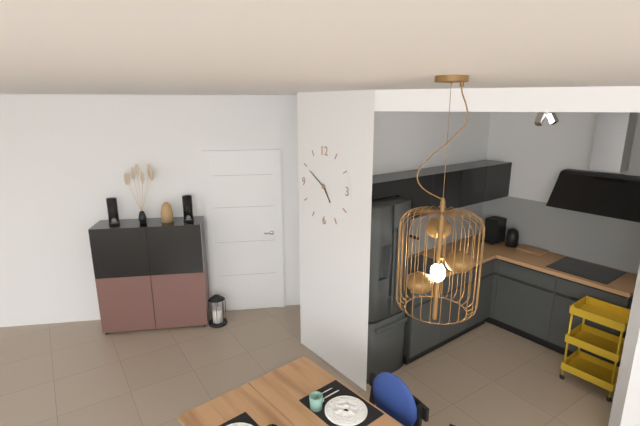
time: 4:50
